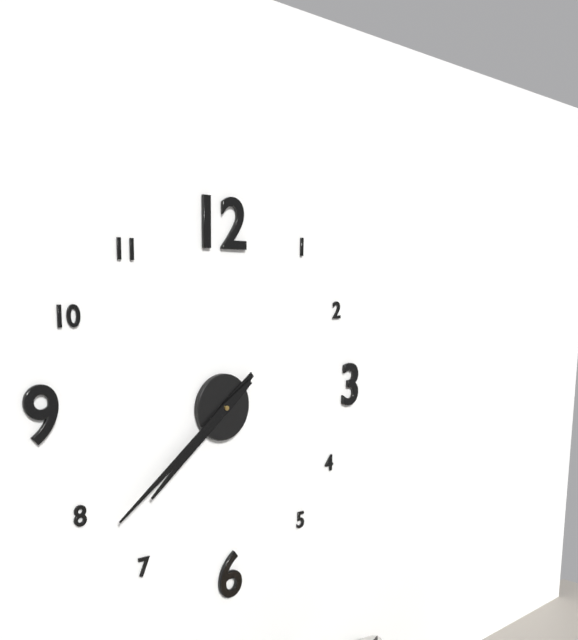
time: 7:39
